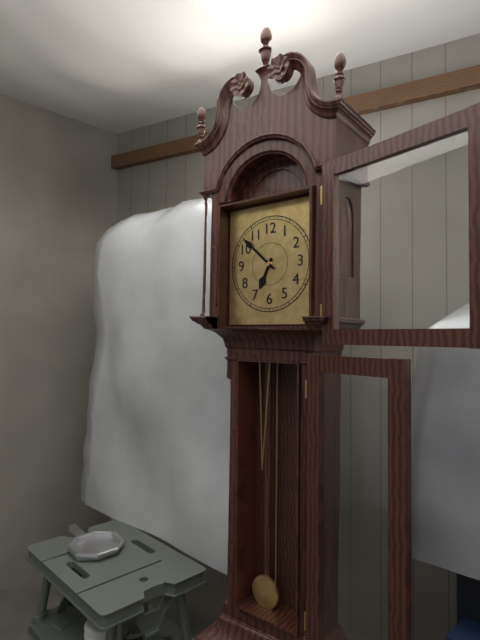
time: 6:52
